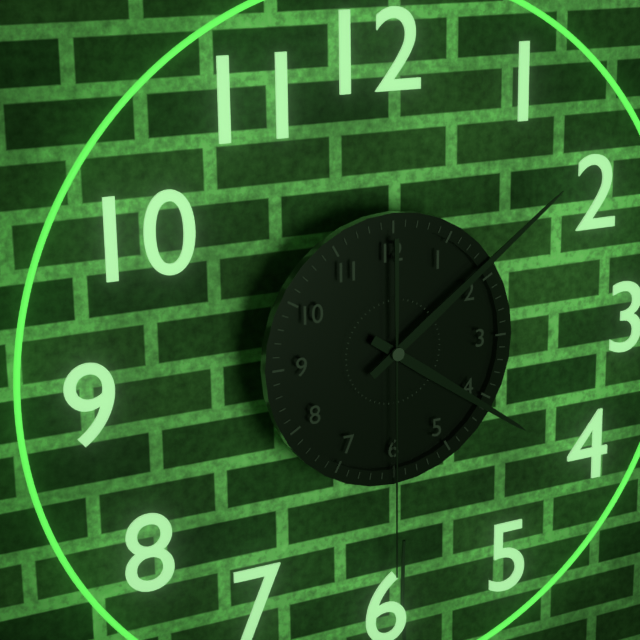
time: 4:09:30
